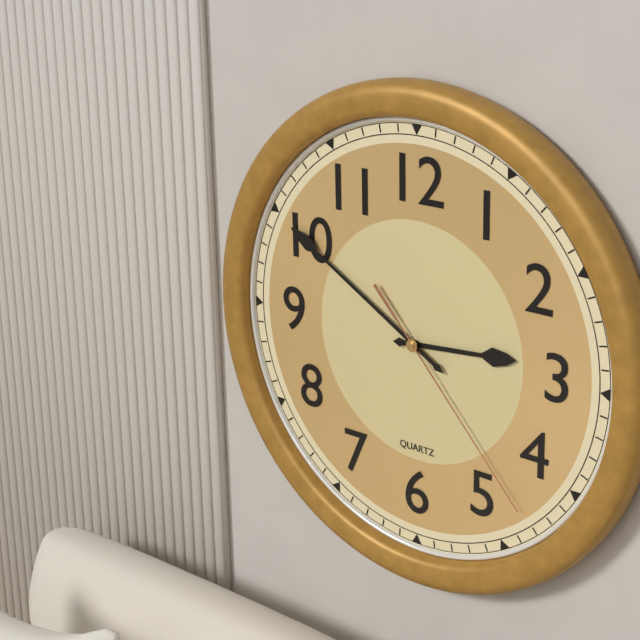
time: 2:50:23
